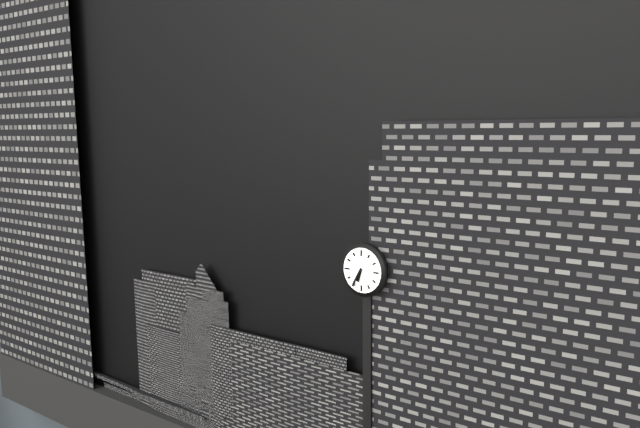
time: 6:35
